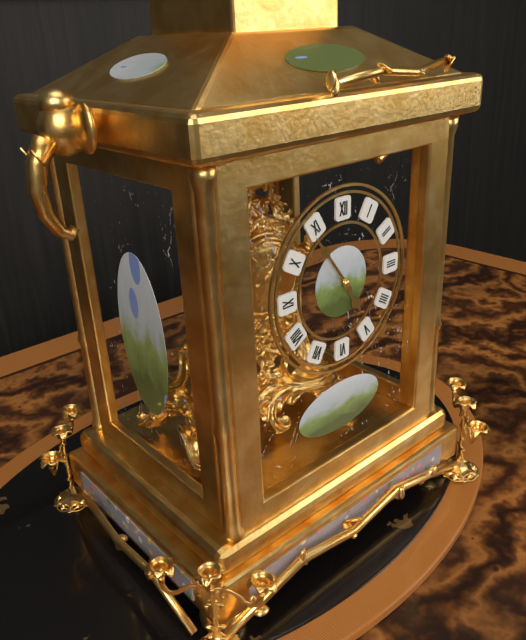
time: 4:54
